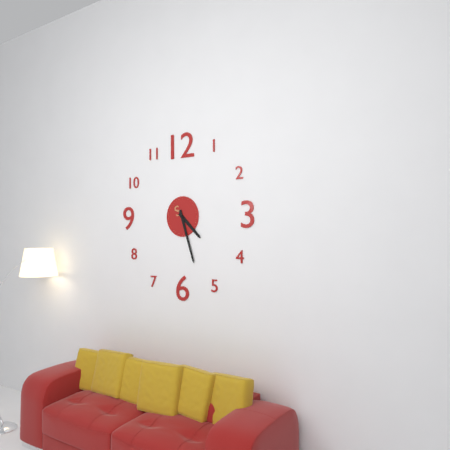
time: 4:27
